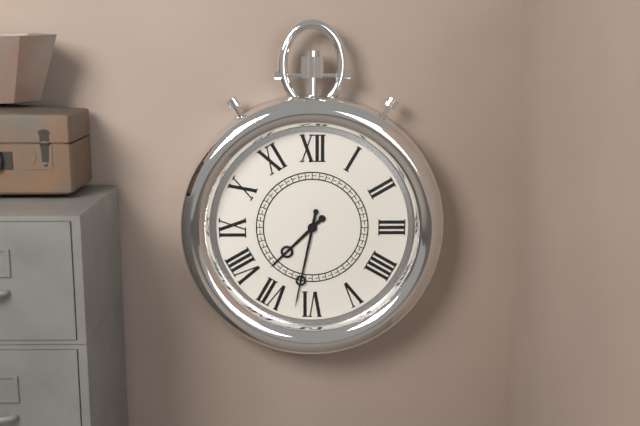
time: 7:32
